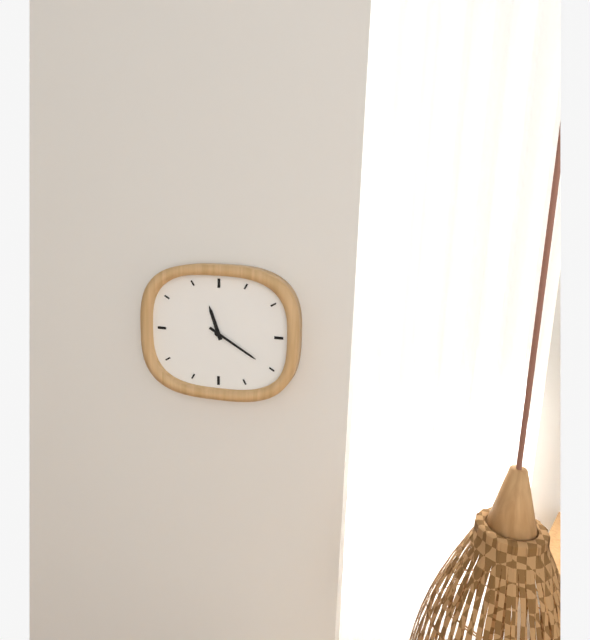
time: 11:20
